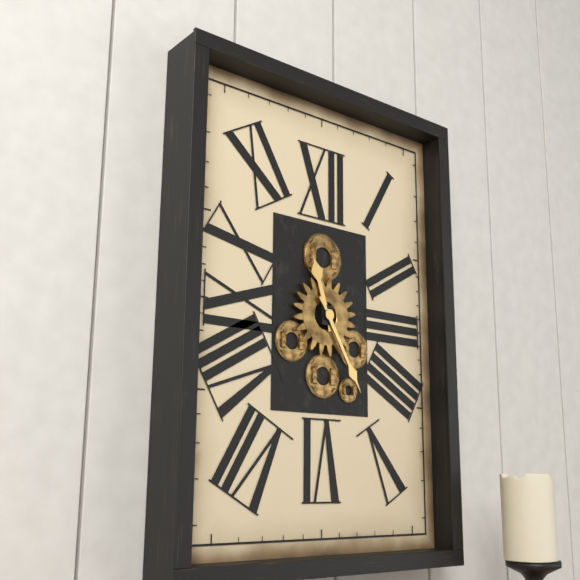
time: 11:25
